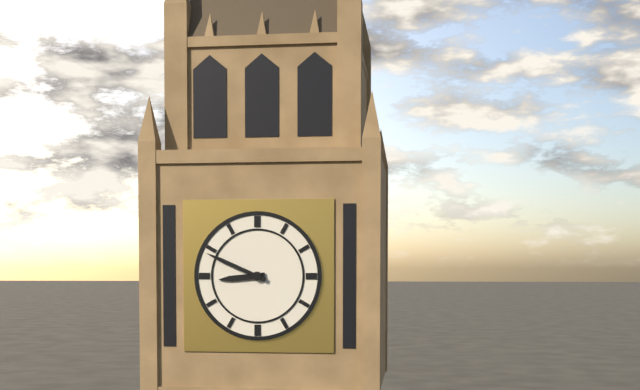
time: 8:49
